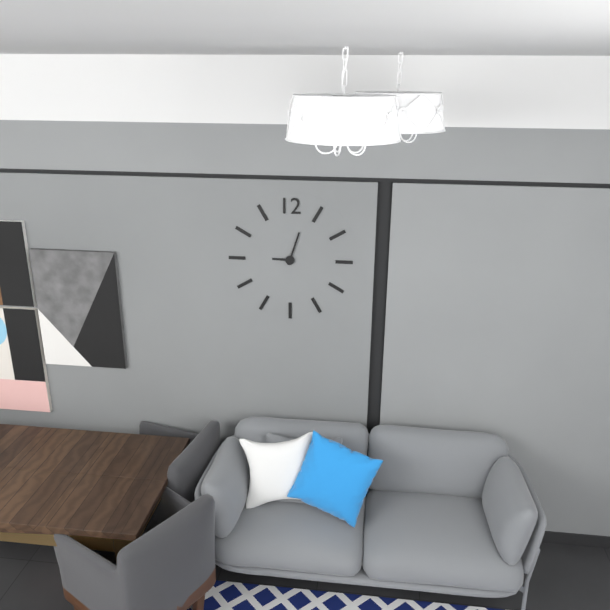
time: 9:03
